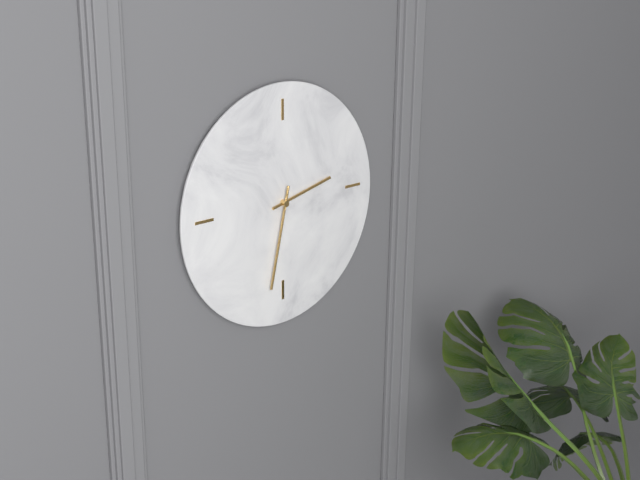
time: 2:32
